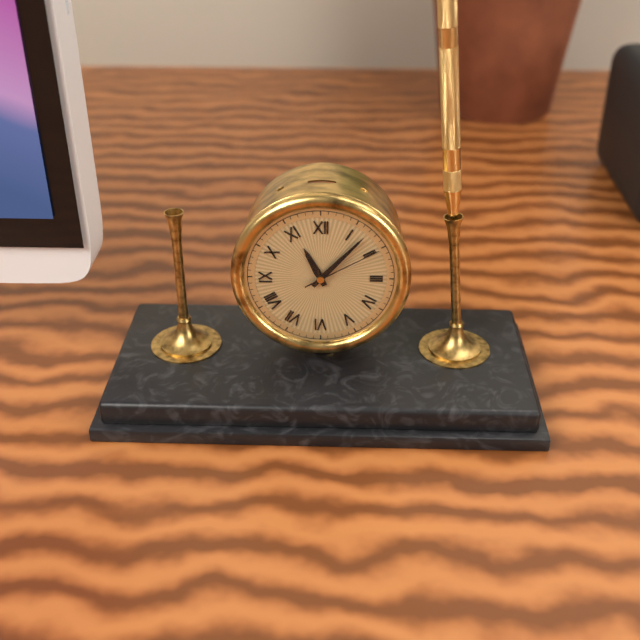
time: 11:07:10
